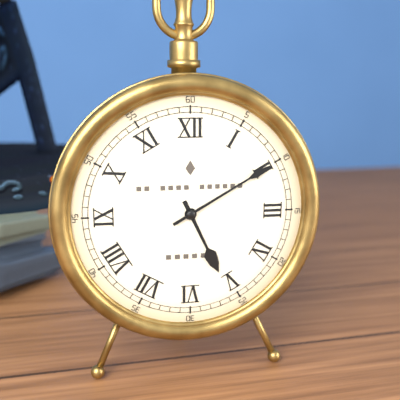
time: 5:10
